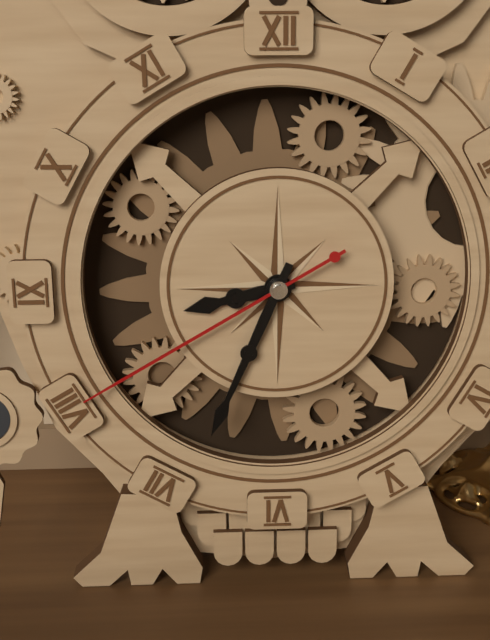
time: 8:34:40
